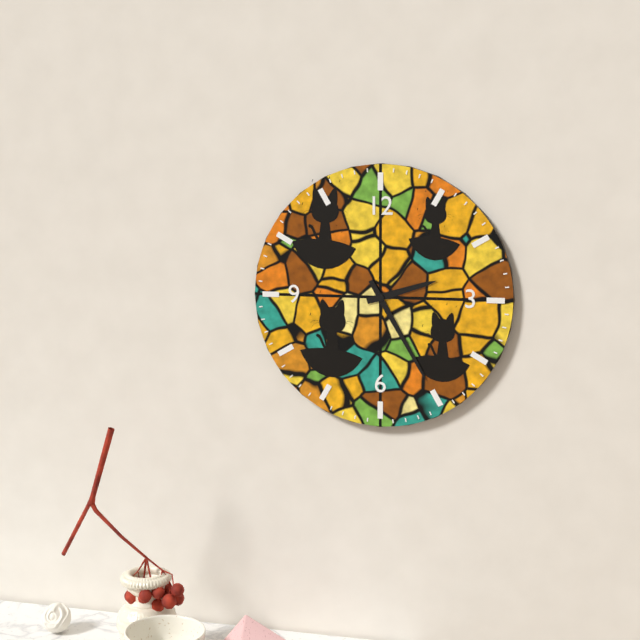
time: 2:25
